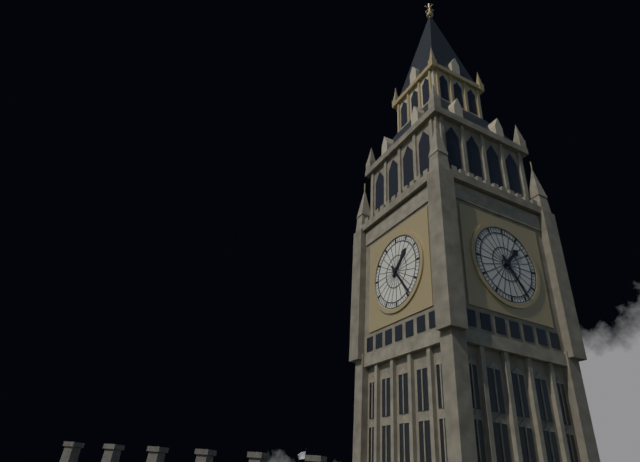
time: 1:24
